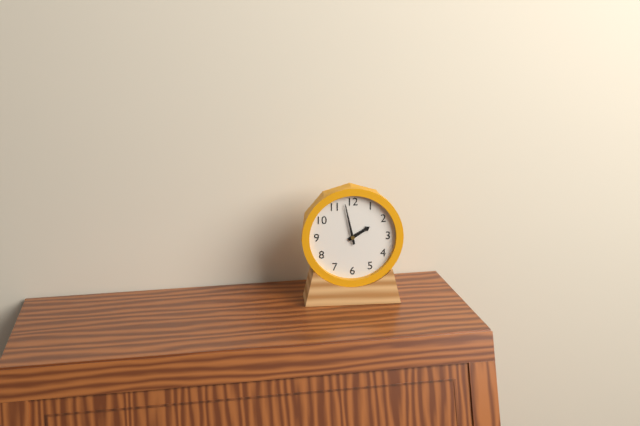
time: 1:58
